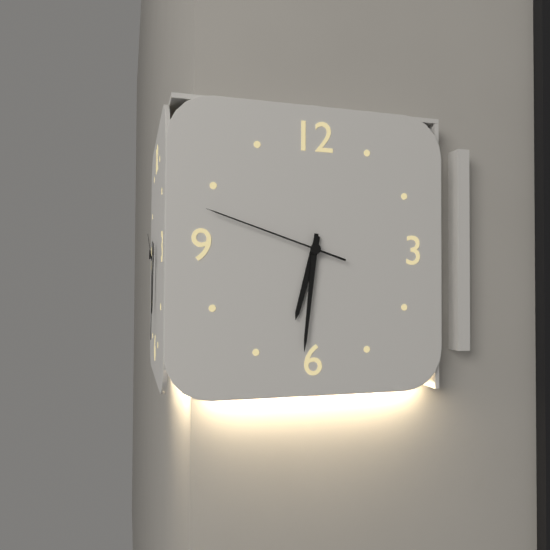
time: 6:31:48
